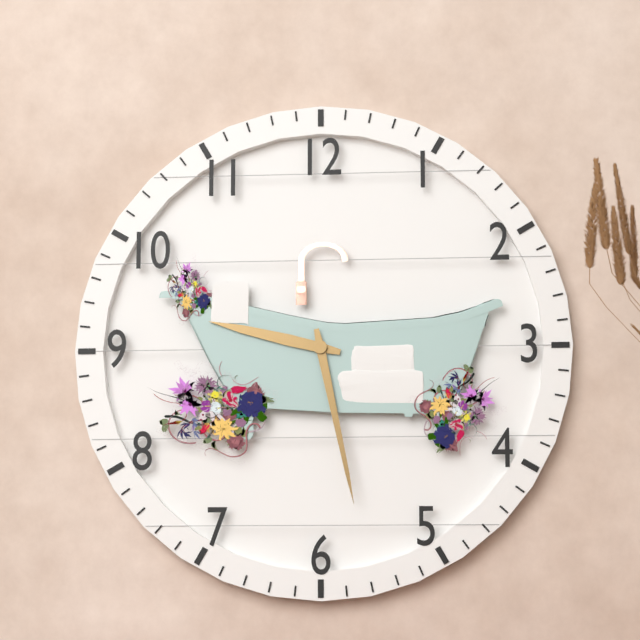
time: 9:28
